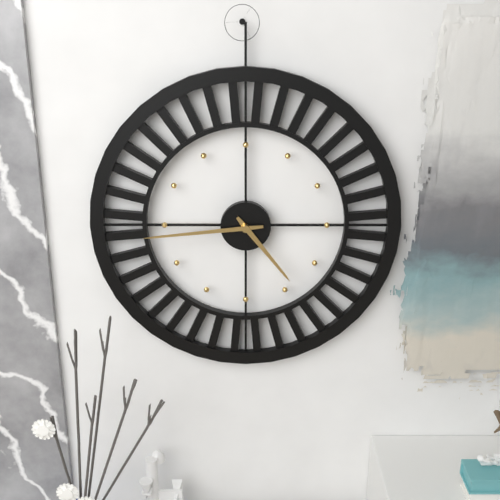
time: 4:44
